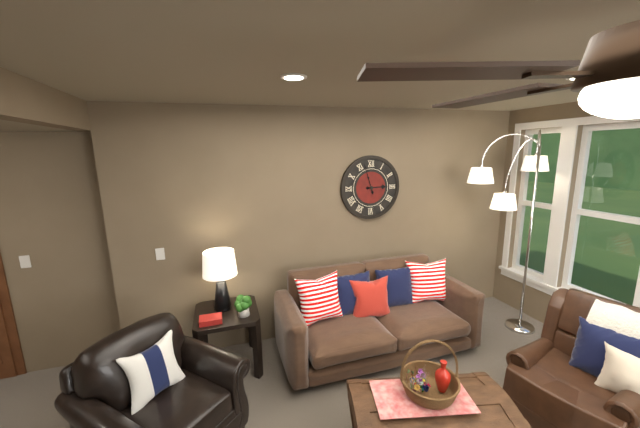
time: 2:57
